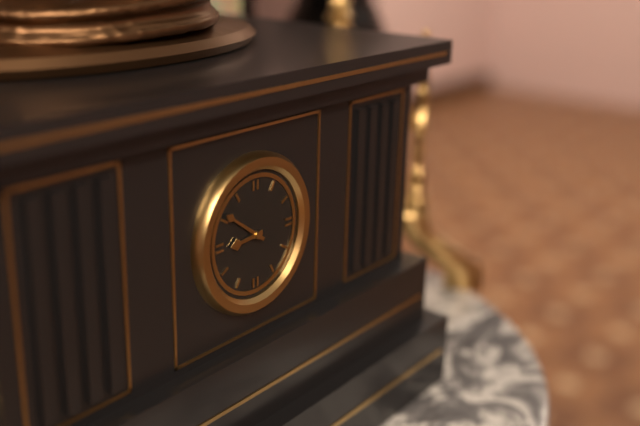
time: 8:51
